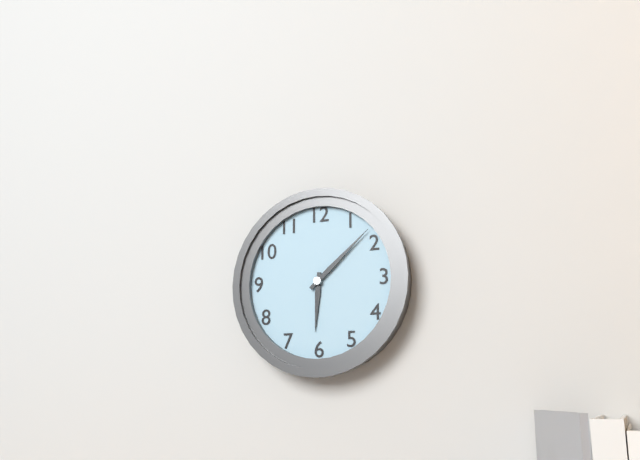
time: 6:08
